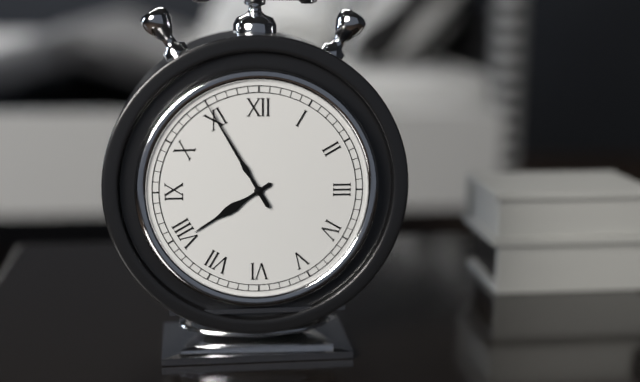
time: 7:55
